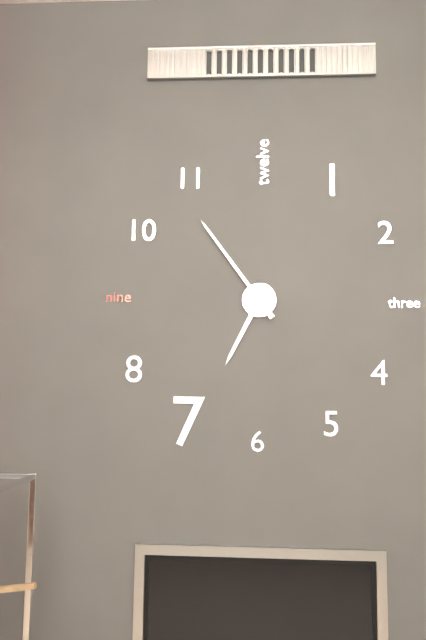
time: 6:54
